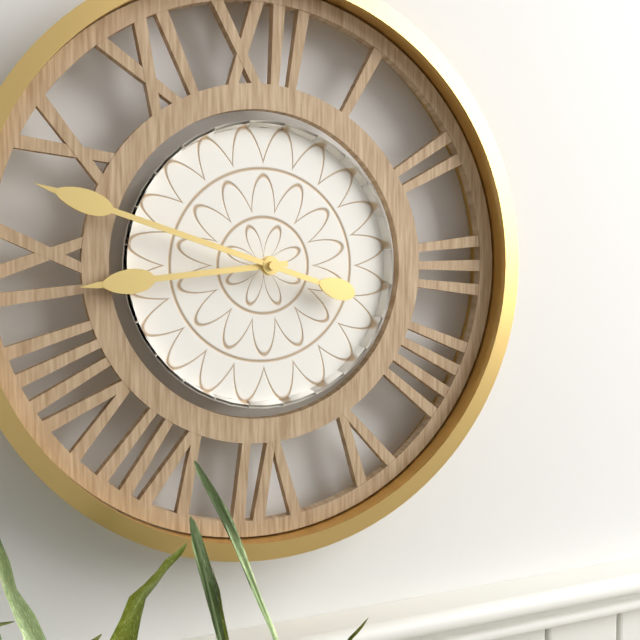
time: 8:48
